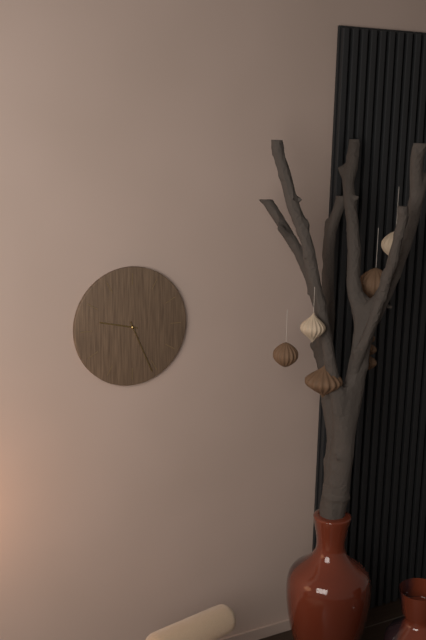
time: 9:26
